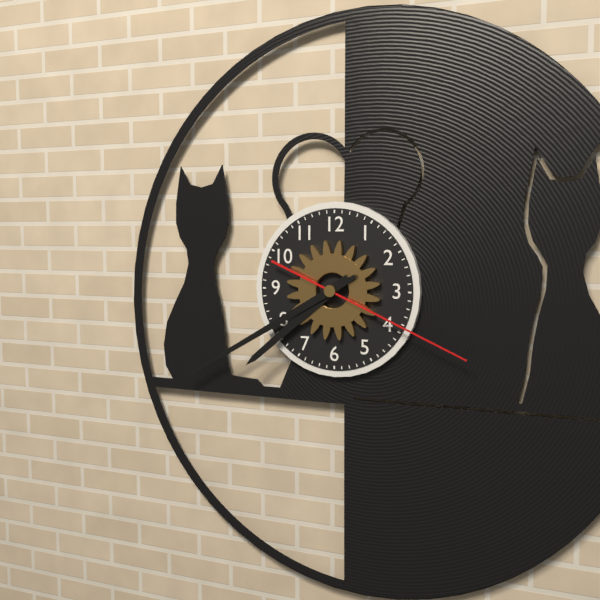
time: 7:40:19
